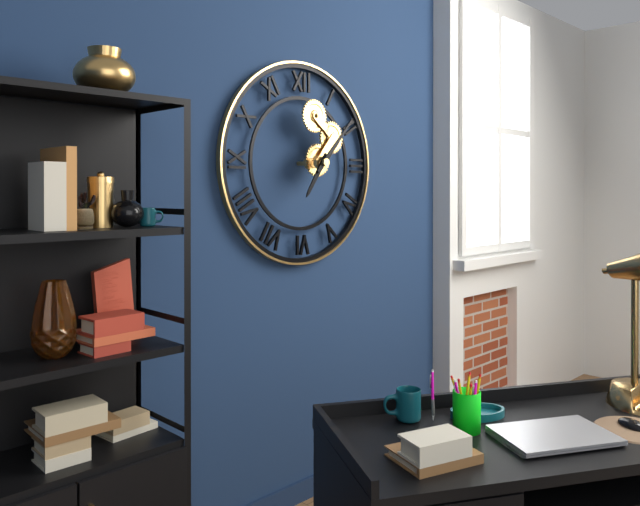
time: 7:07
